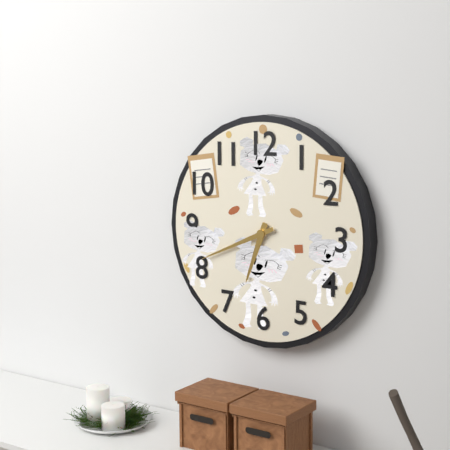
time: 6:41
